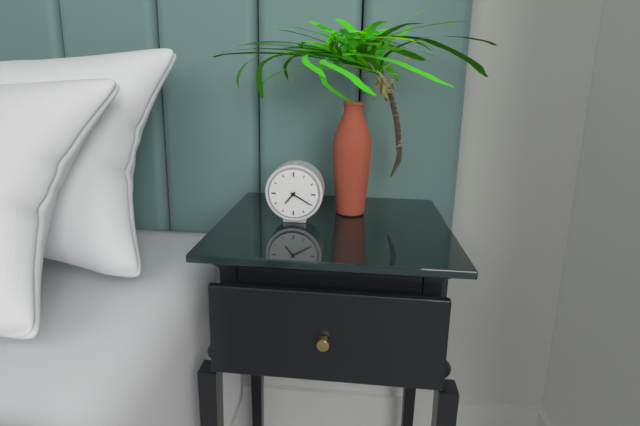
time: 7:20
